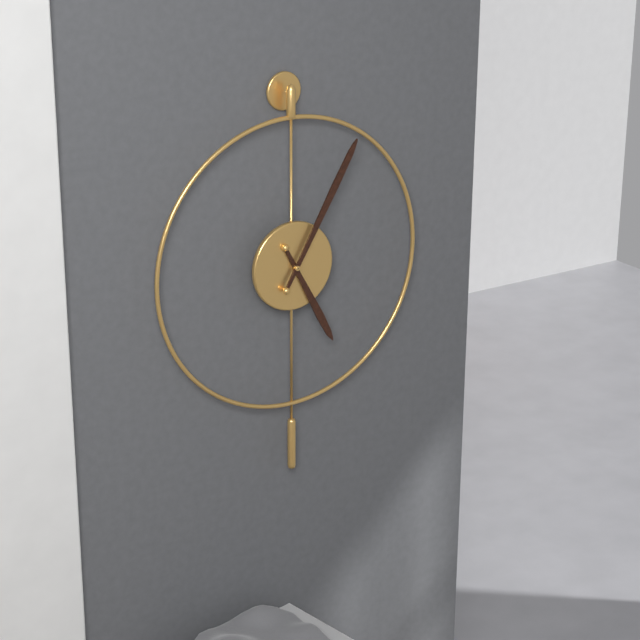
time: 5:05
